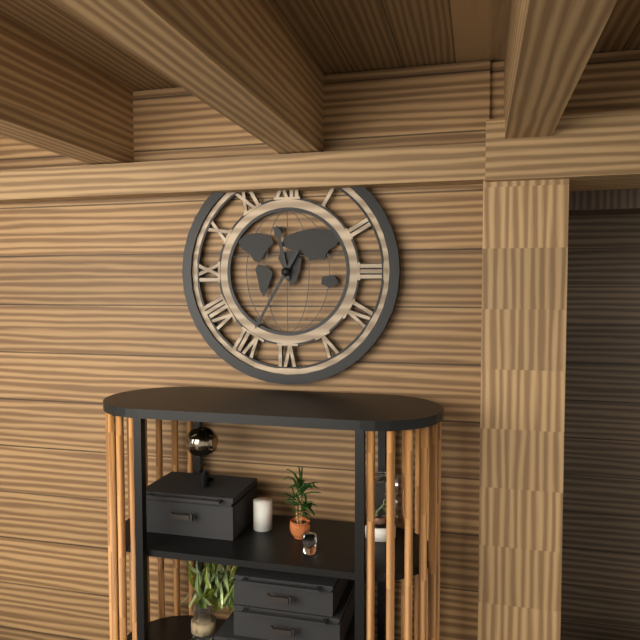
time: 11:35
